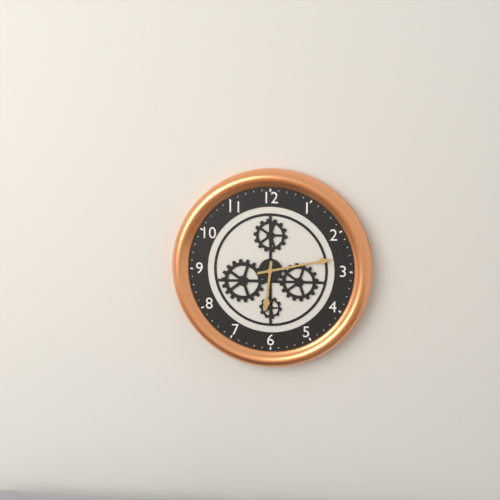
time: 6:13
